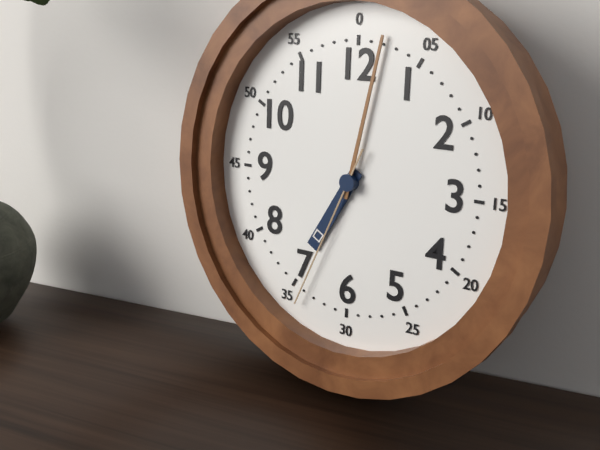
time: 7:02:34
